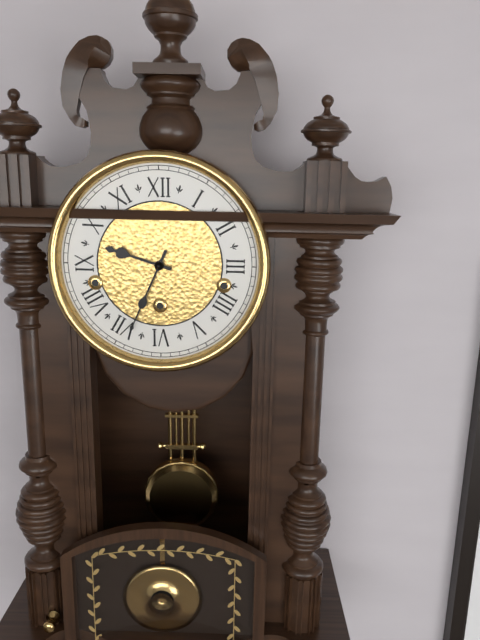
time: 9:34
